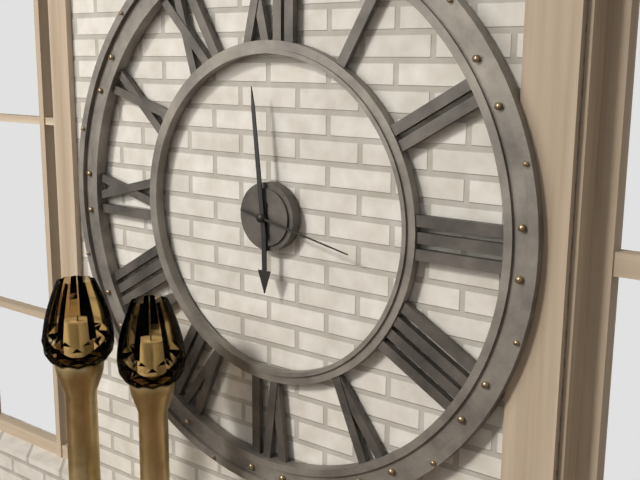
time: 5:59:17
